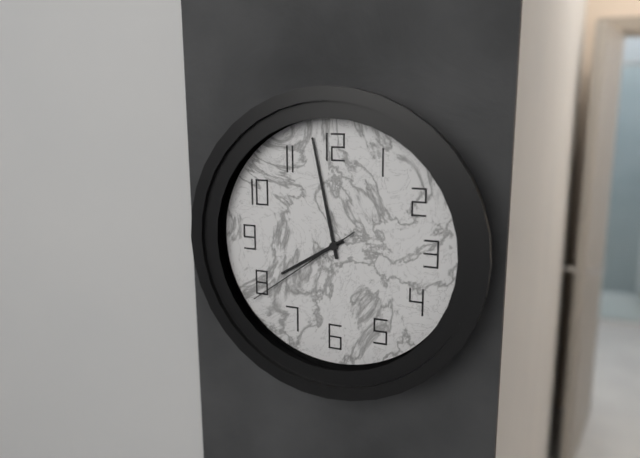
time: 7:58:39
